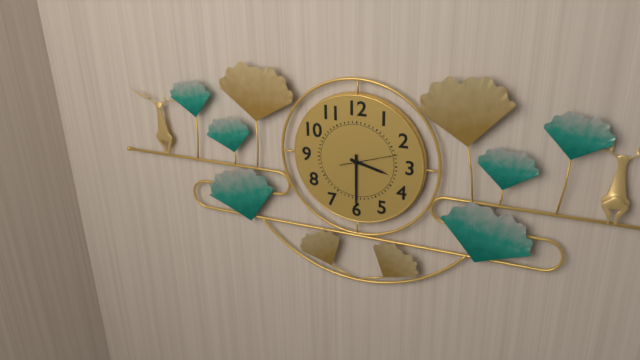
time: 3:30:12
